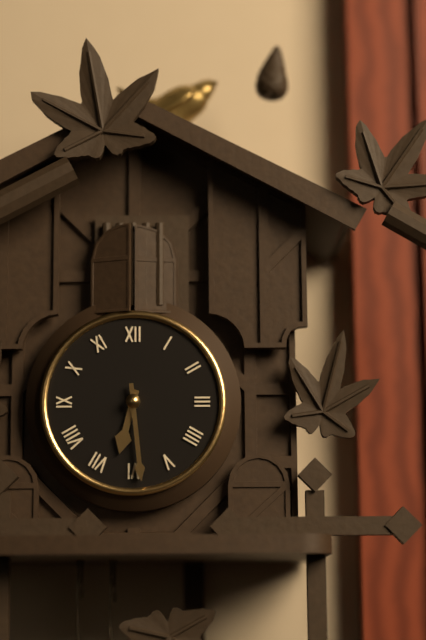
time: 6:29
